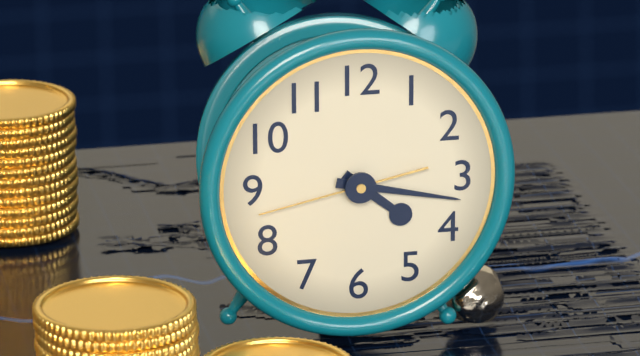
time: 4:17:43
